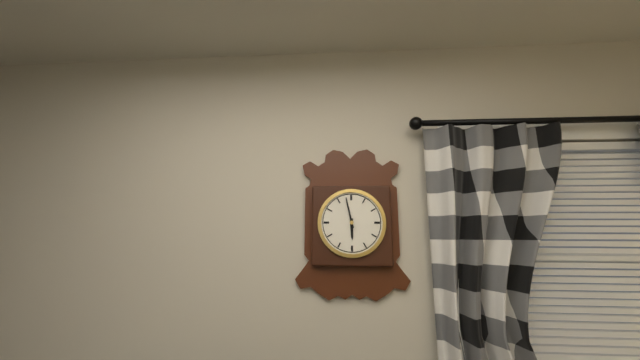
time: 5:58
